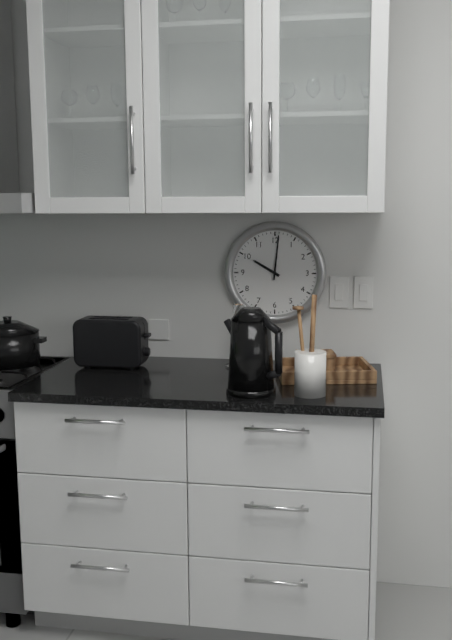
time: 10:01
